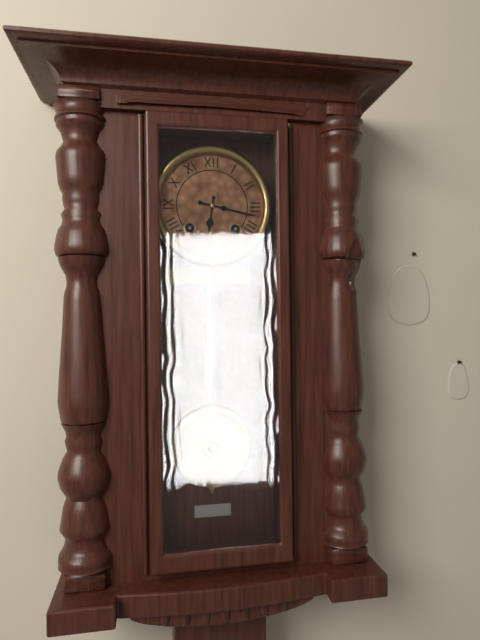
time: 6:17
